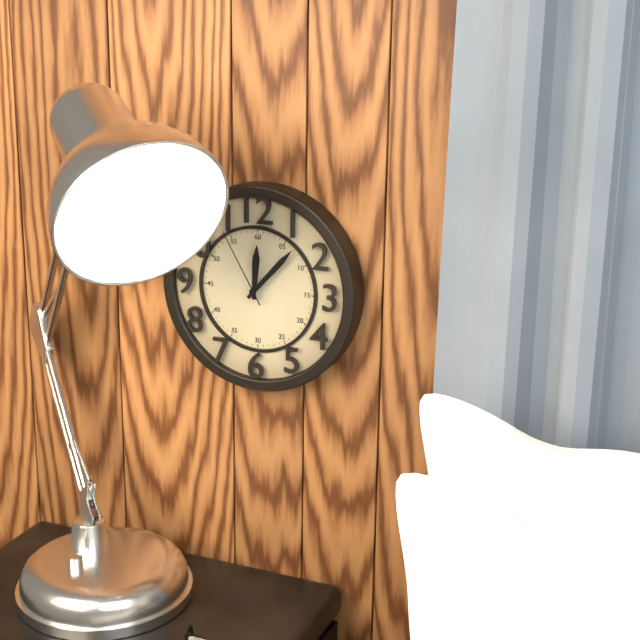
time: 12:07:55
